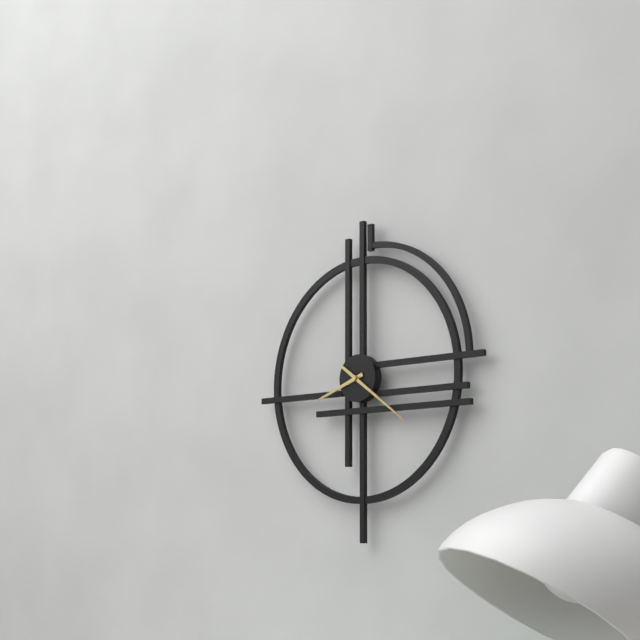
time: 8:21
